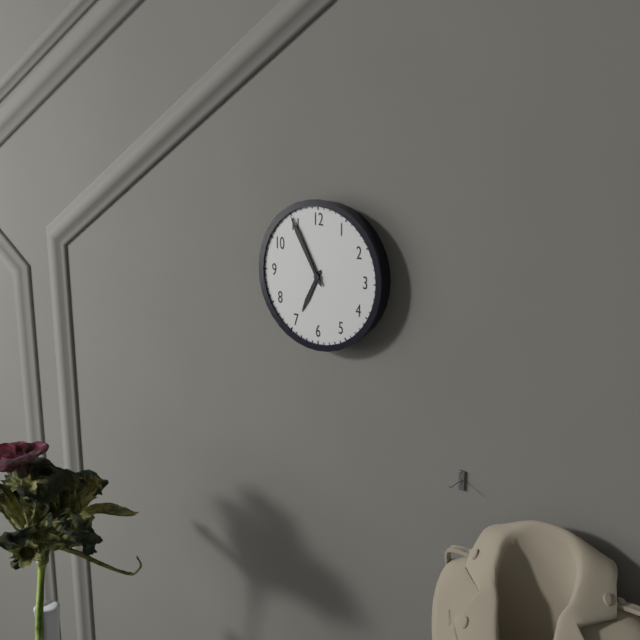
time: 6:55
